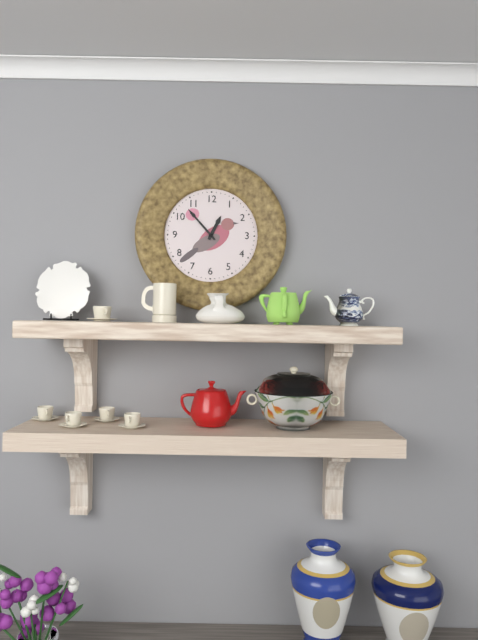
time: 12:53
